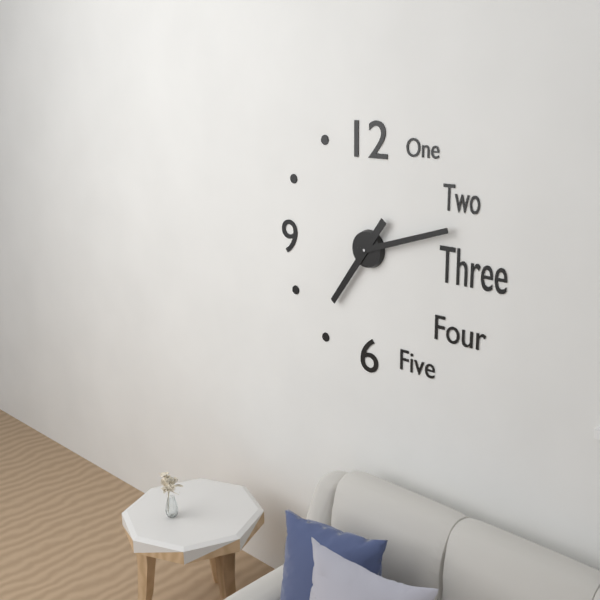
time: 7:12
